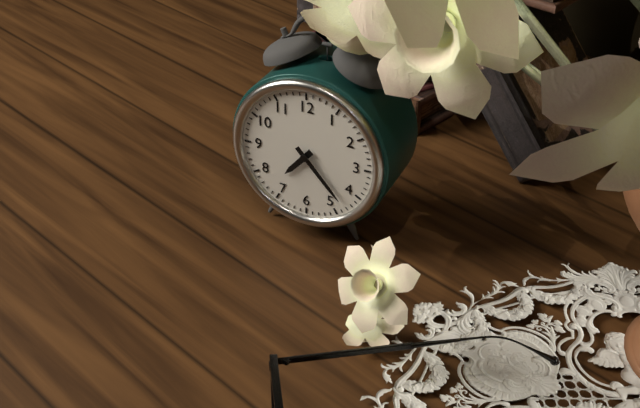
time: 7:23
